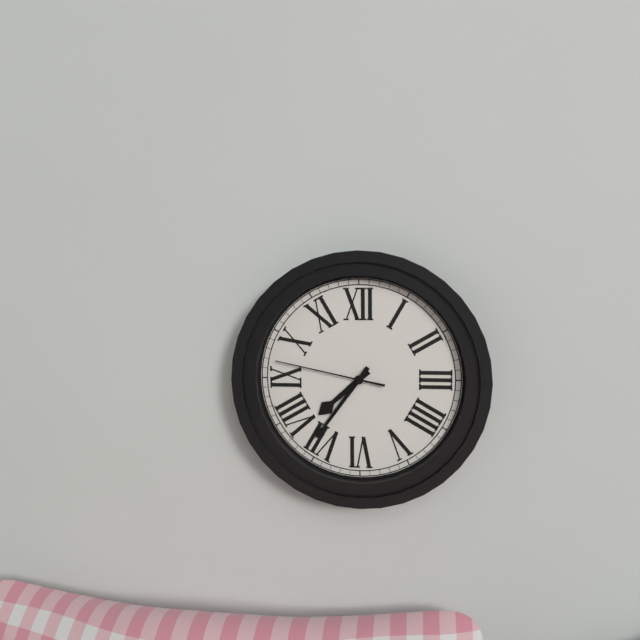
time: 7:36:47
